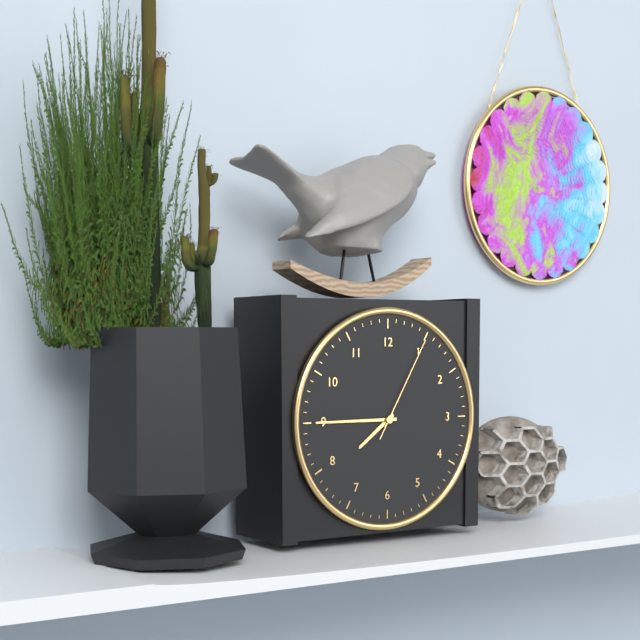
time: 7:45:05
